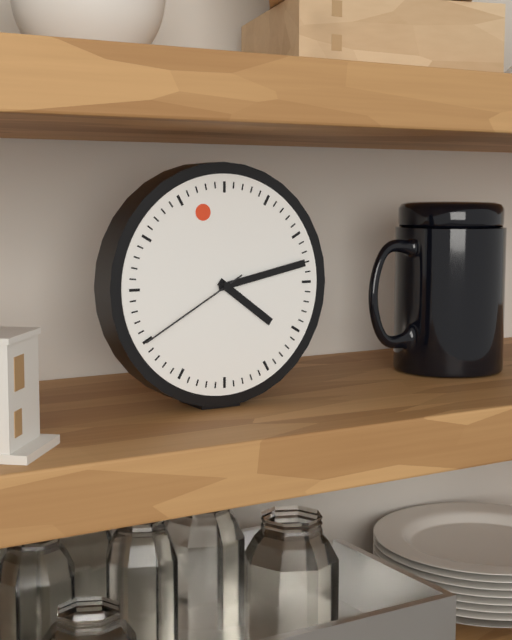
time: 4:13:40
